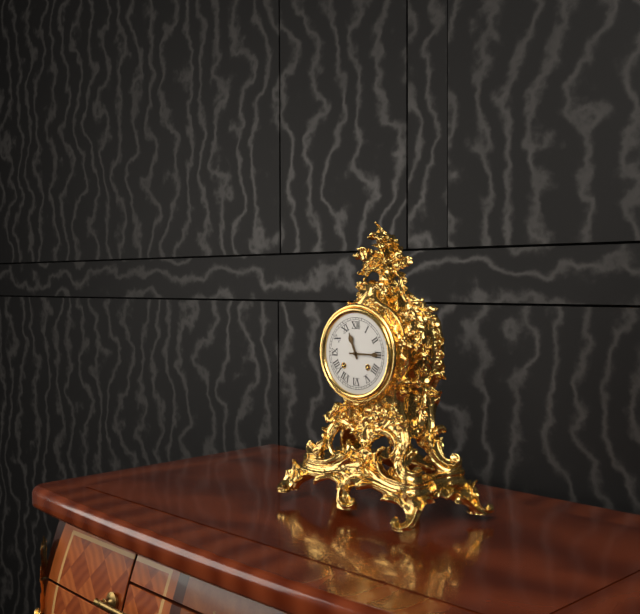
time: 11:15
